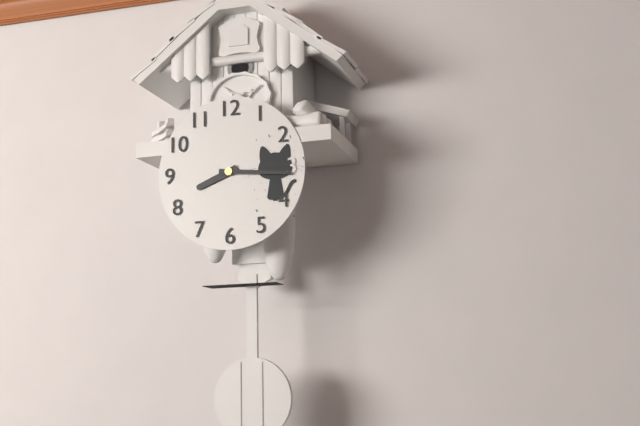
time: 8:16
